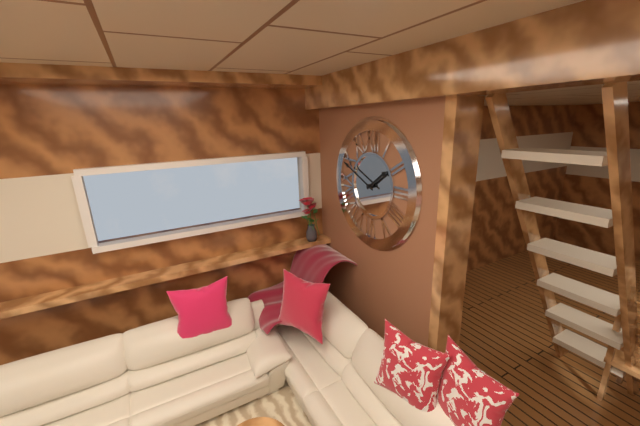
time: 1:49
